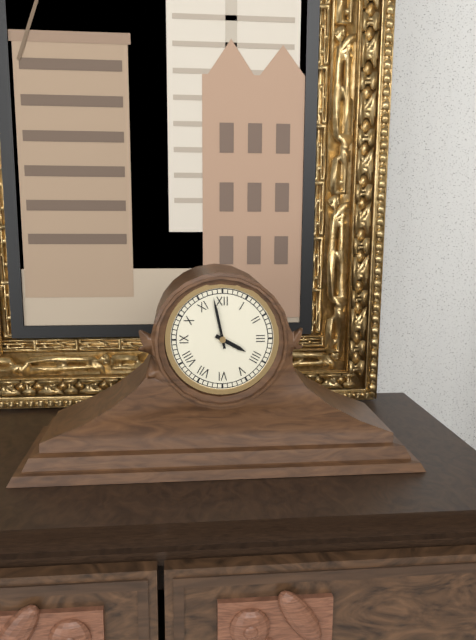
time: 3:58
